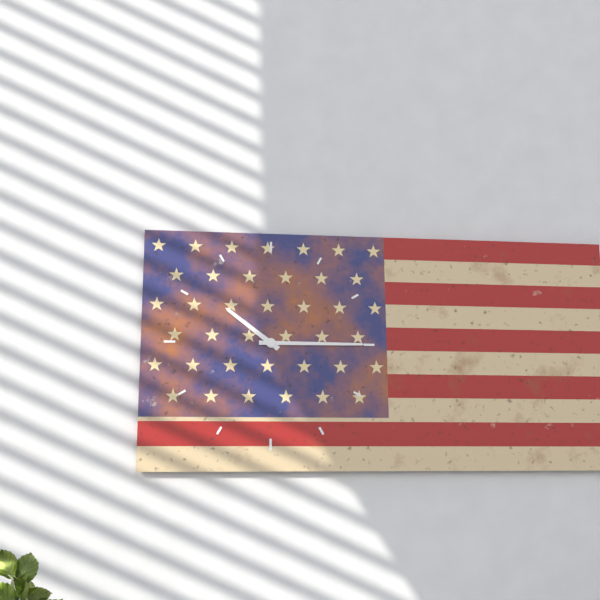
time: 10:15
